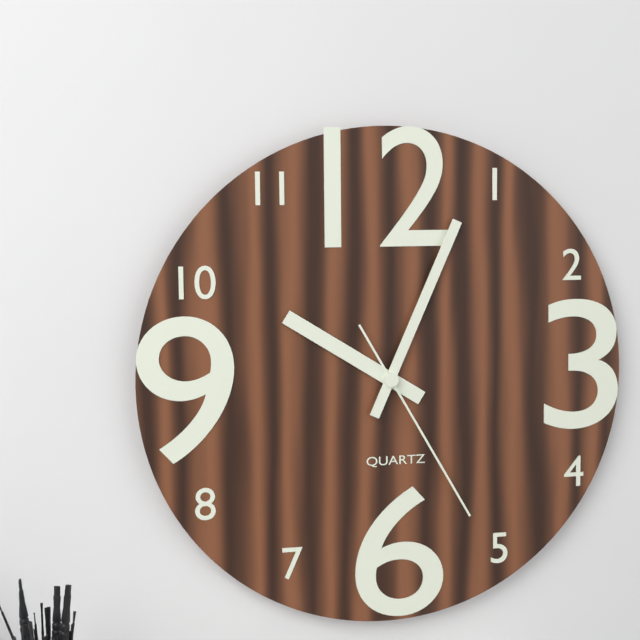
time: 10:04:25
